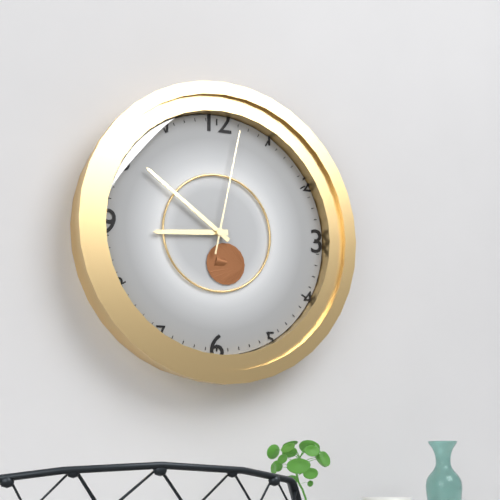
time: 8:51:02
